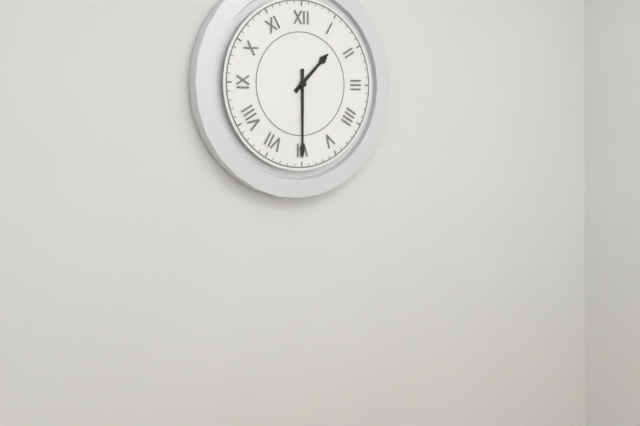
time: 1:30
